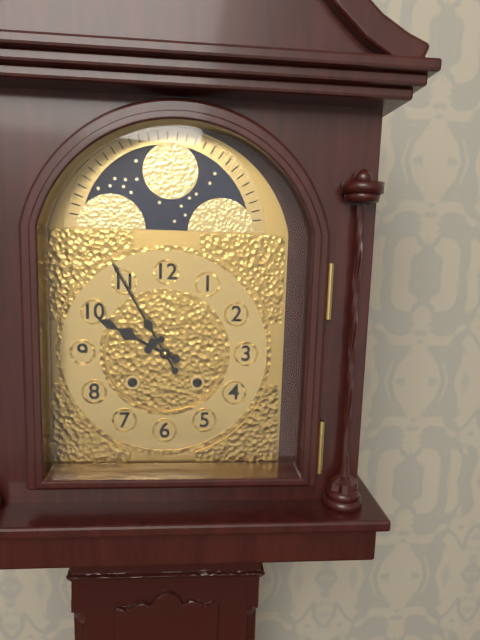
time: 9:55
